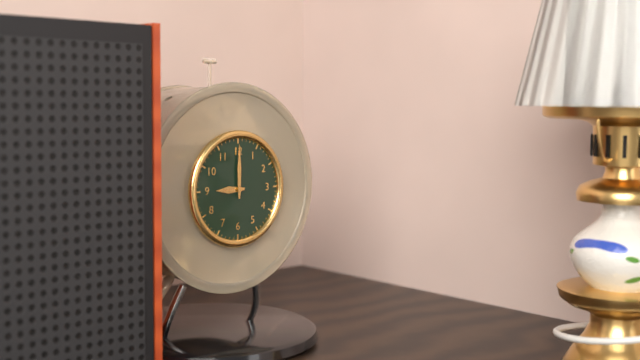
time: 9:00
